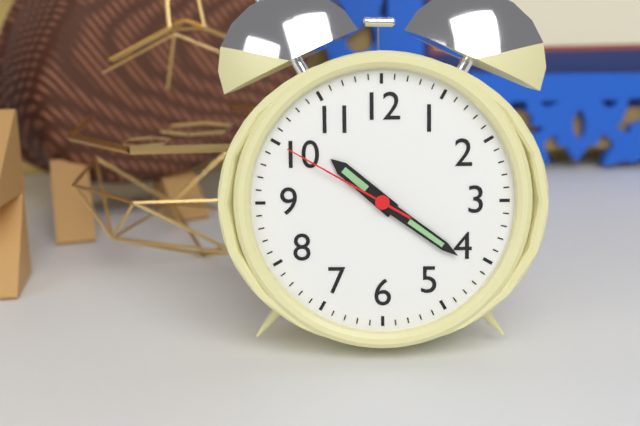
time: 10:21:50
